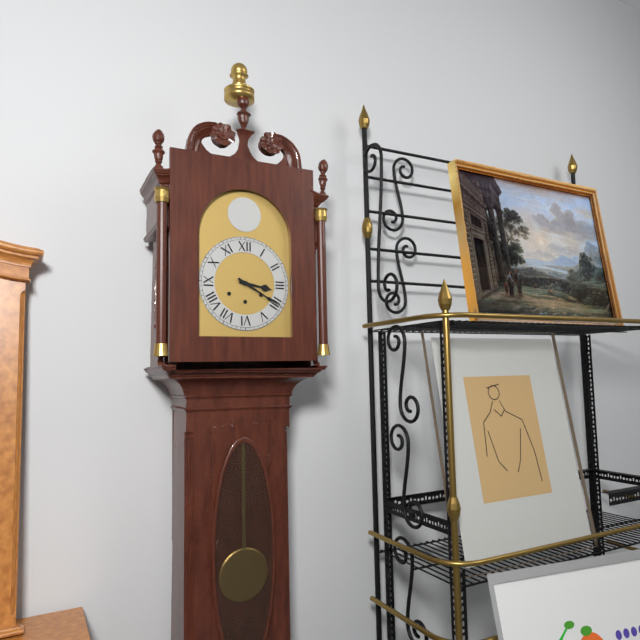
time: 3:20
